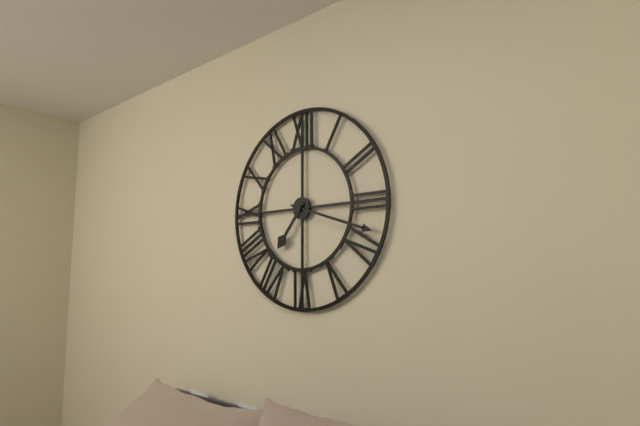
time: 7:18
